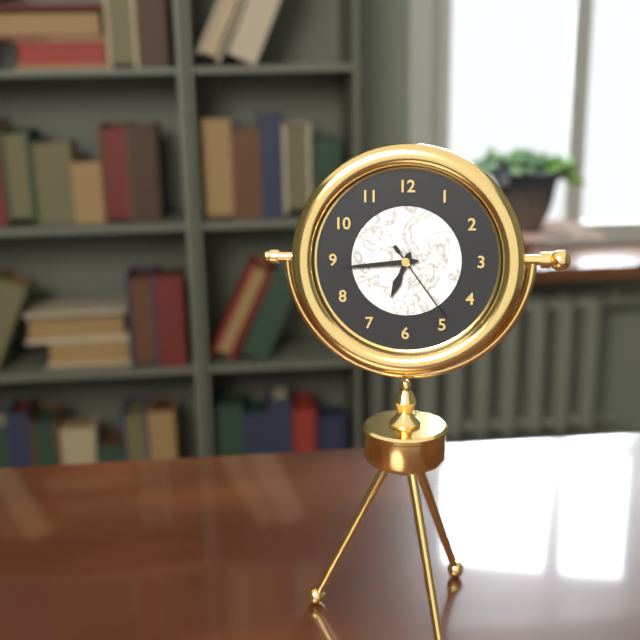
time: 6:44:24
